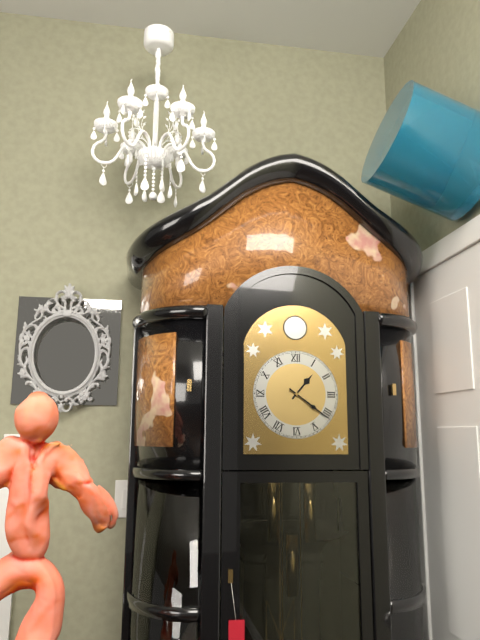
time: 1:21
